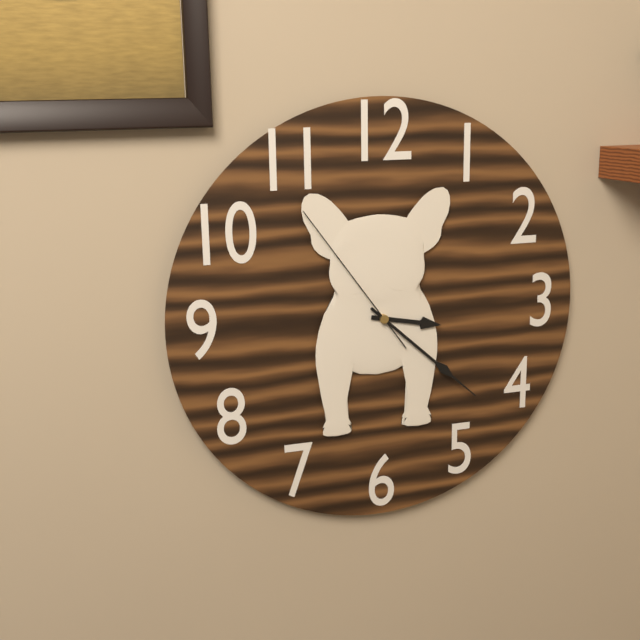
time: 3:22:54
